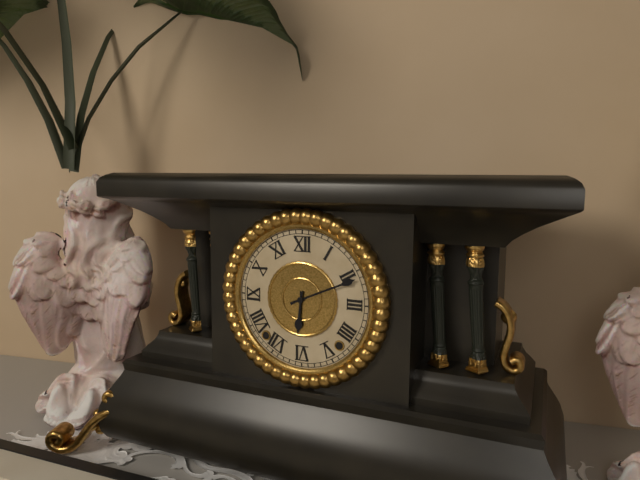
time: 6:11
